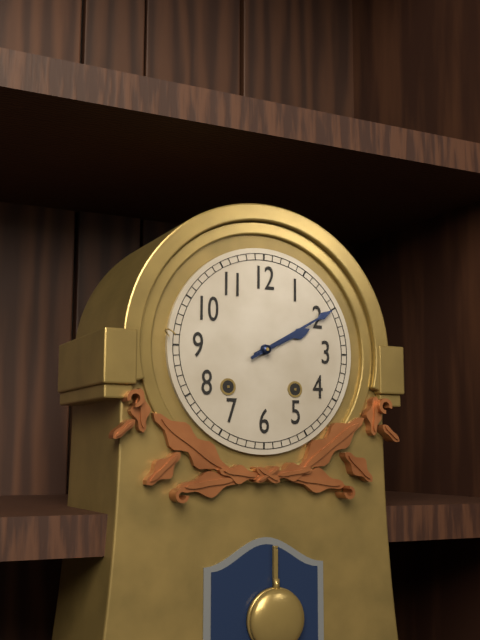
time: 2:10
